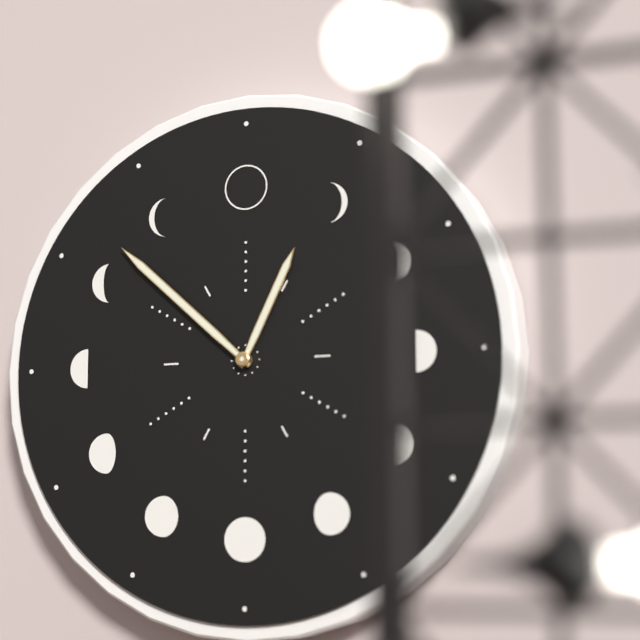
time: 12:52
